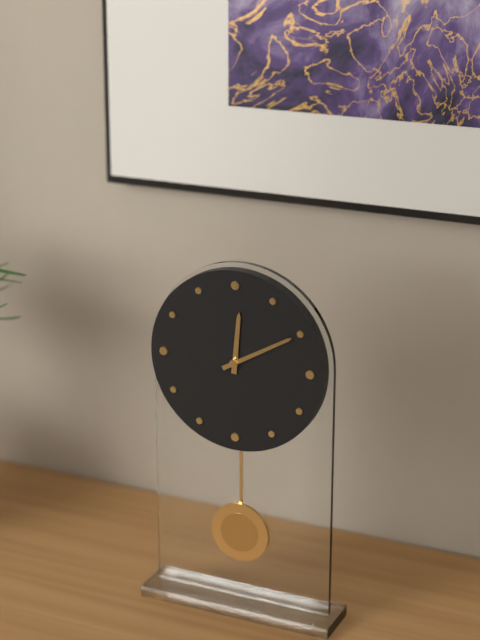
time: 12:10
